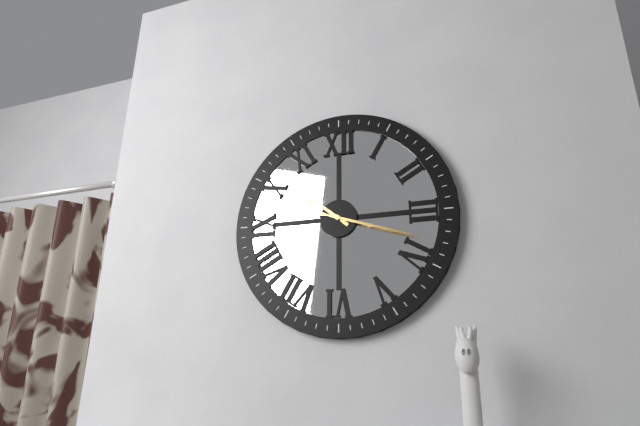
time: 10:18
